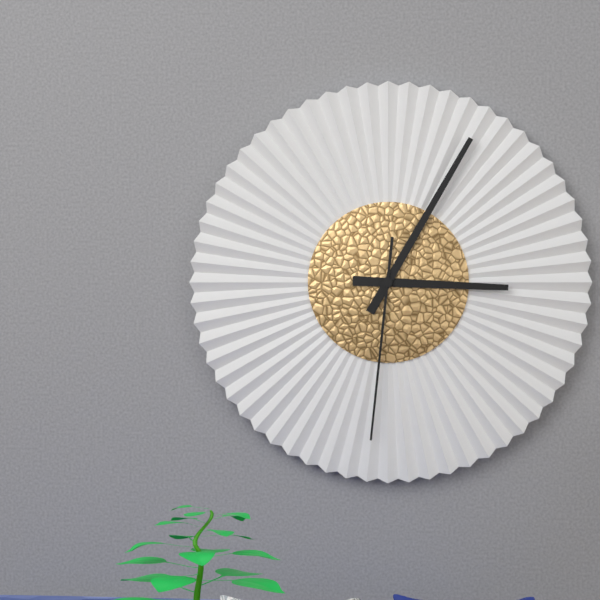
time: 3:05:31
